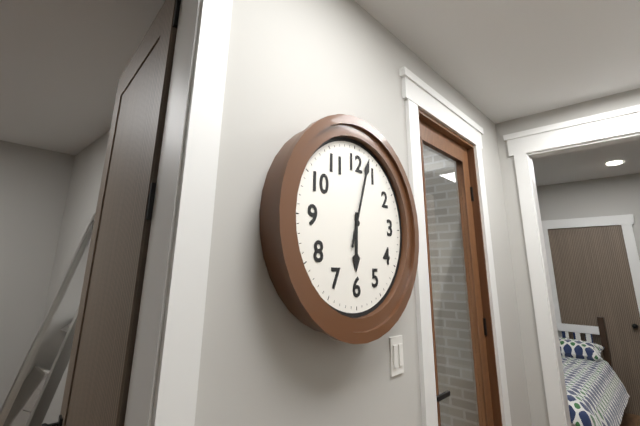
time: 6:03
